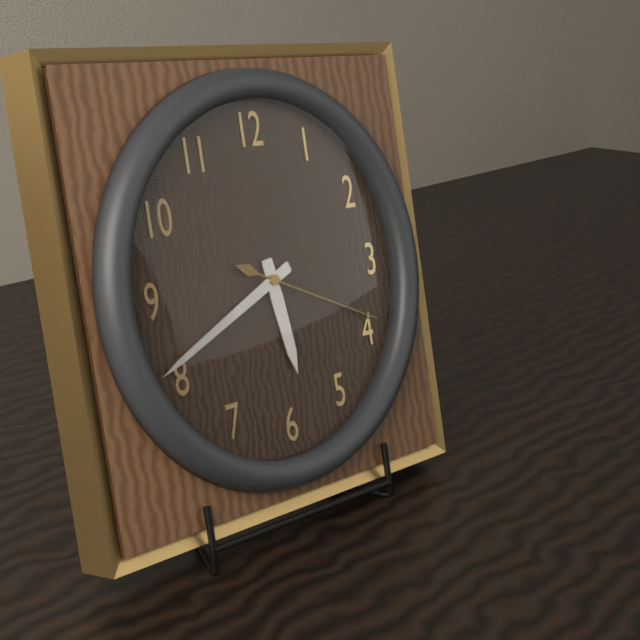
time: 5:41:19
